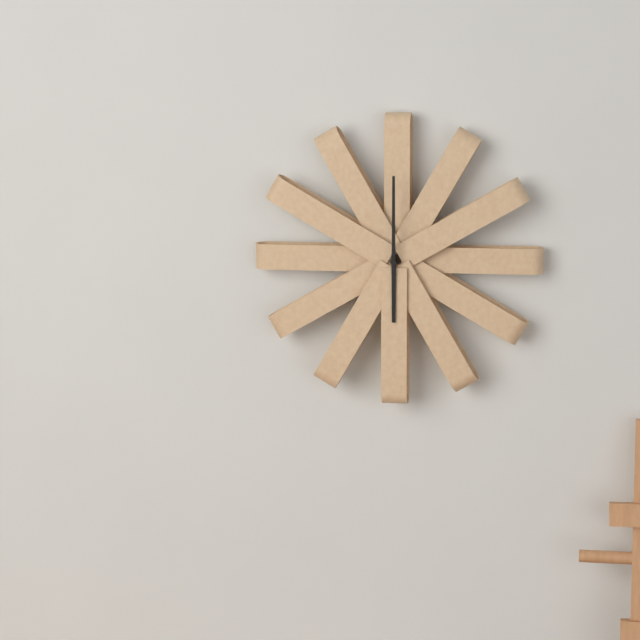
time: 6:00
